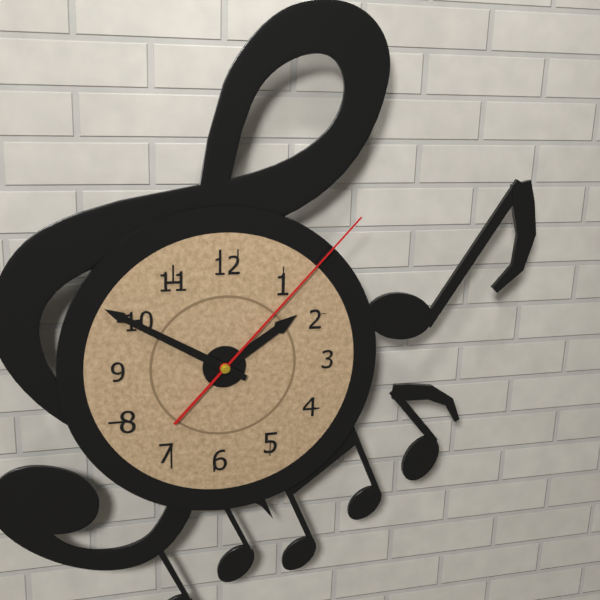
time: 1:50:07
